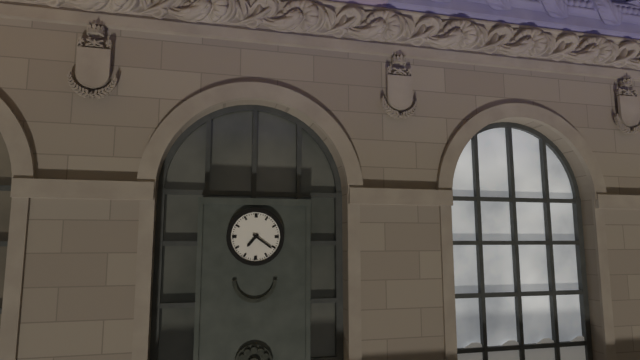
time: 7:21
